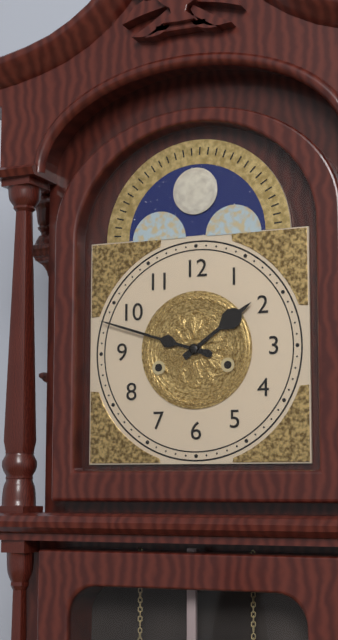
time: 1:48
